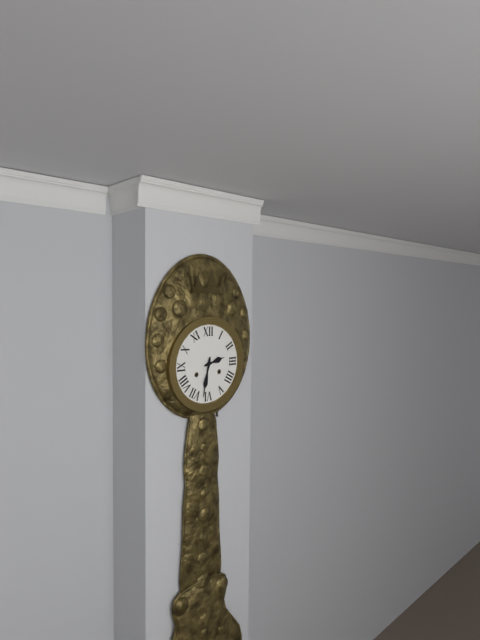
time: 2:32
